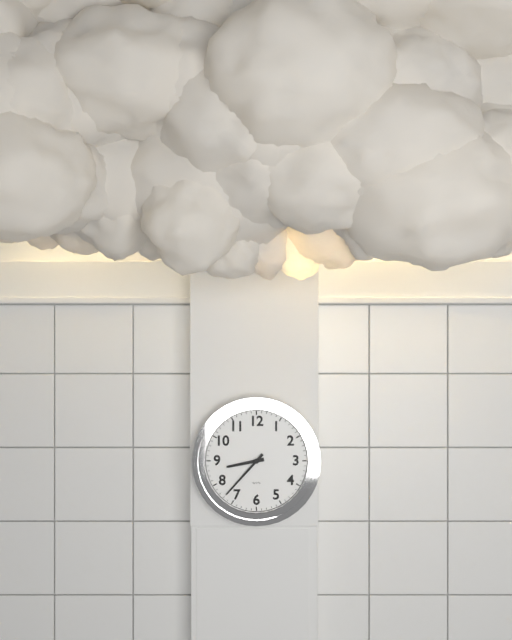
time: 8:37
